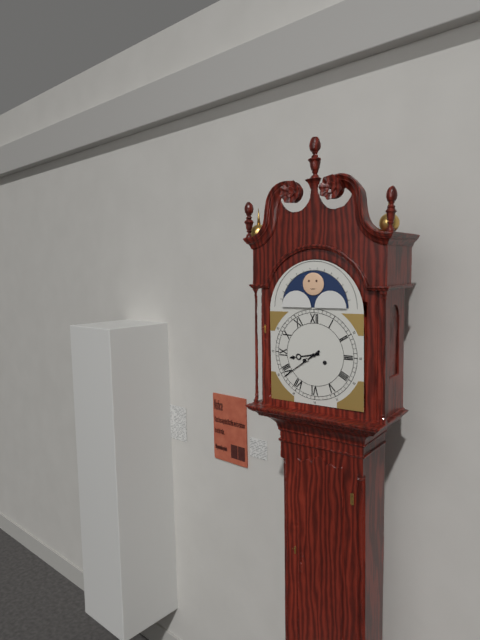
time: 8:39
